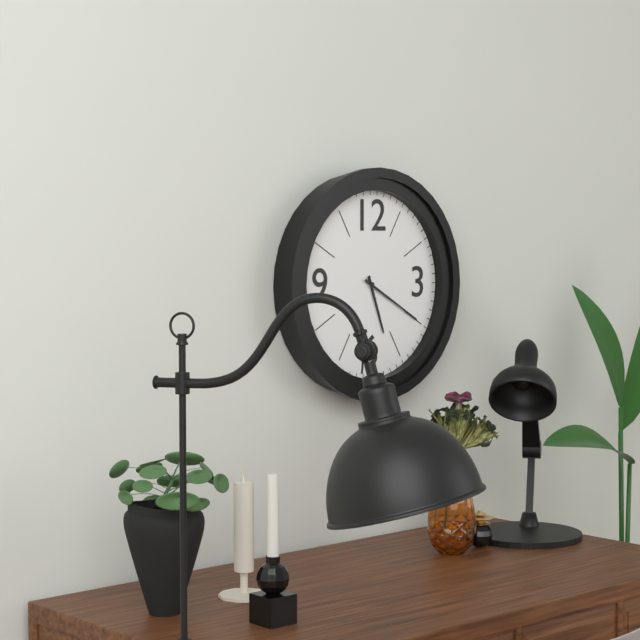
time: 5:20
